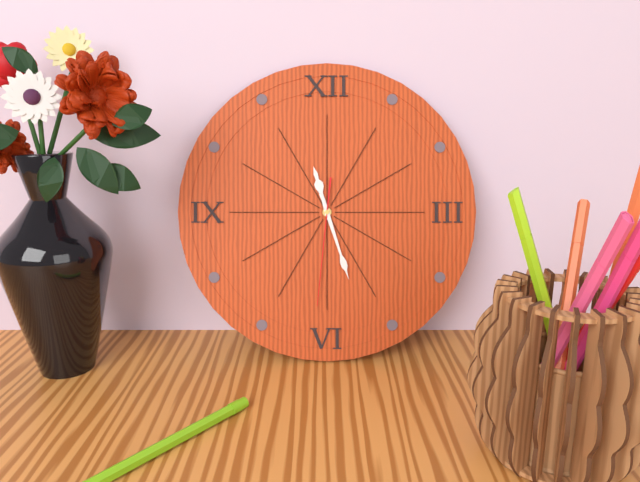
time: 11:27:31
